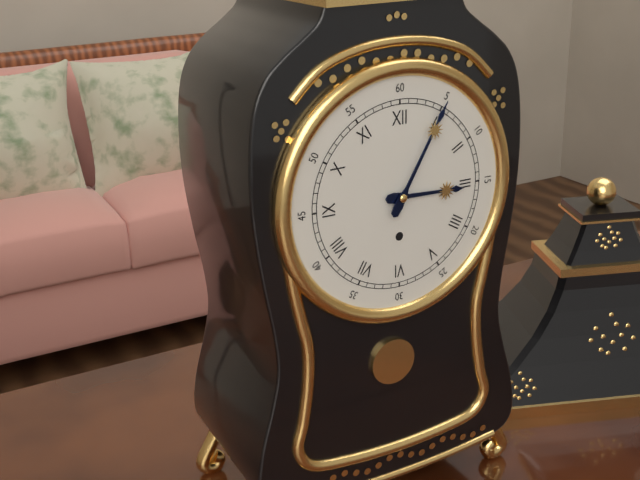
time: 3:05
